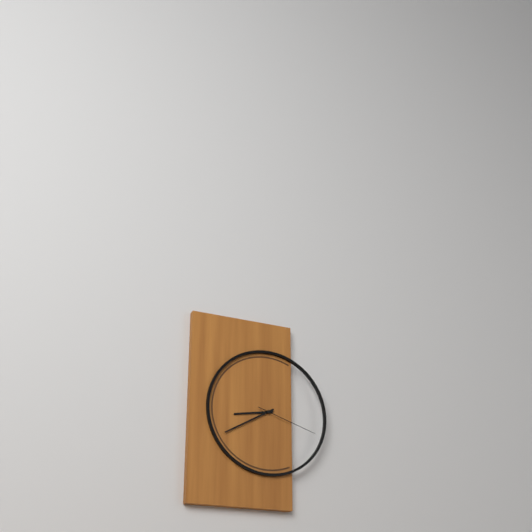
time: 8:40:18
